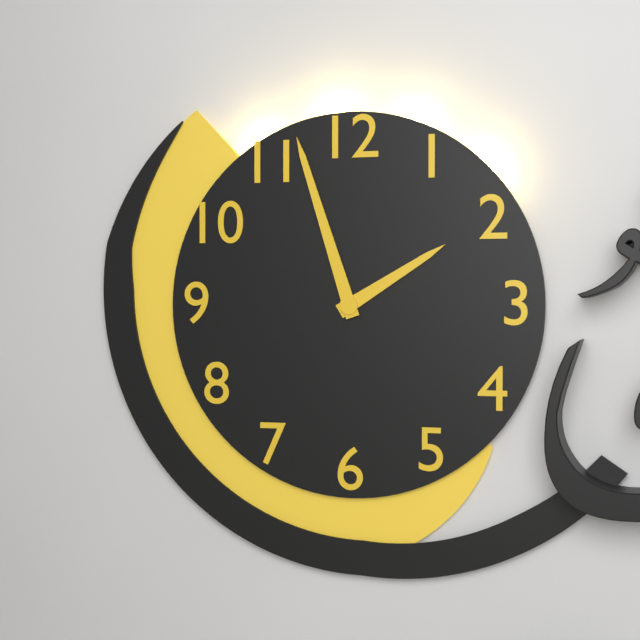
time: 1:57
